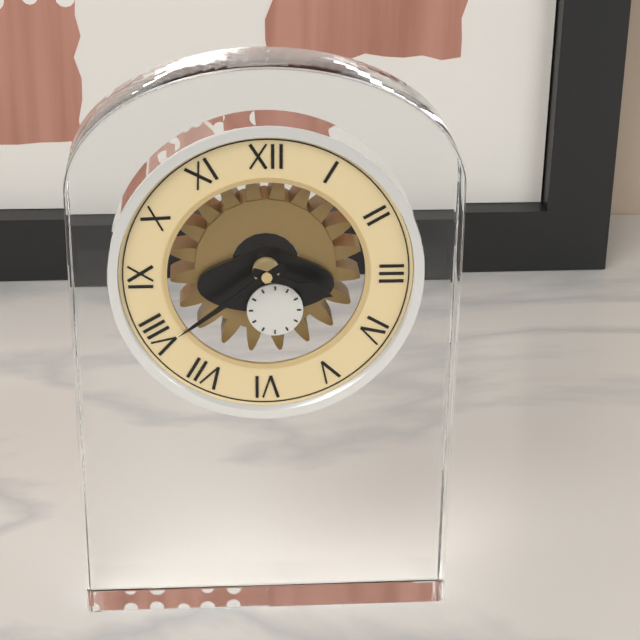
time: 3:39
